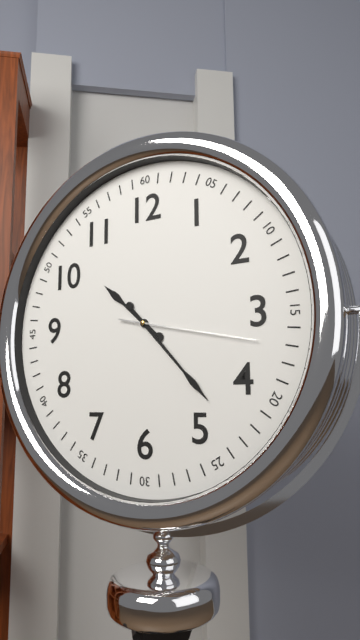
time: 10:23:17
